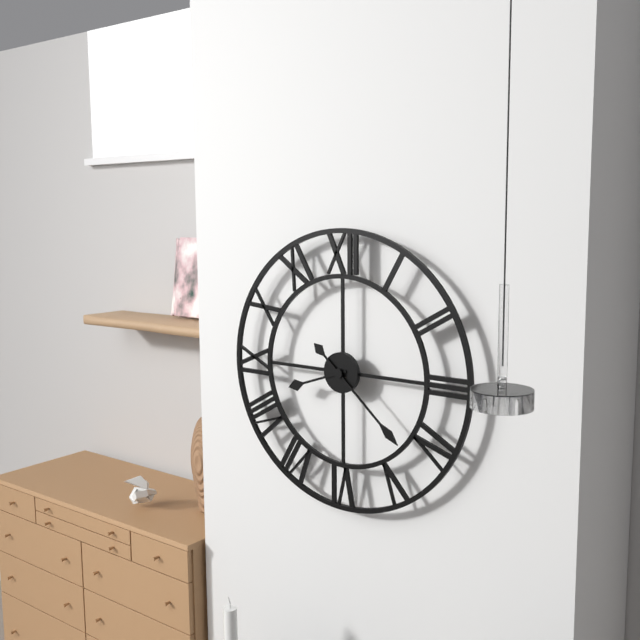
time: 8:22
